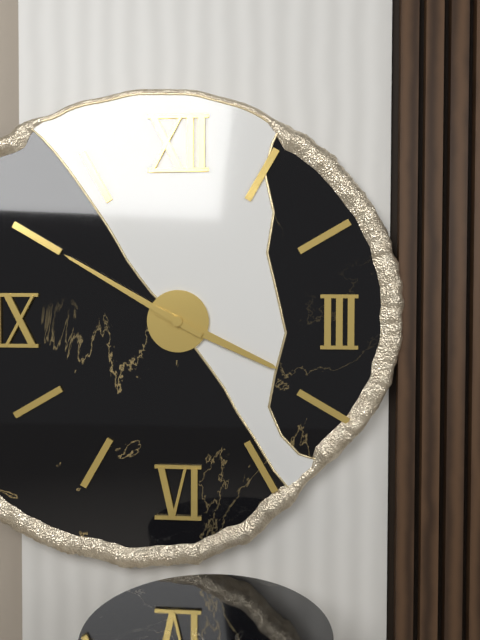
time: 3:50
